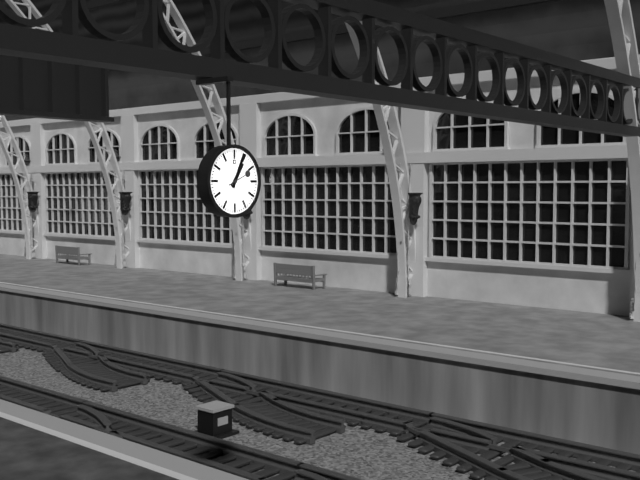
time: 1:04
